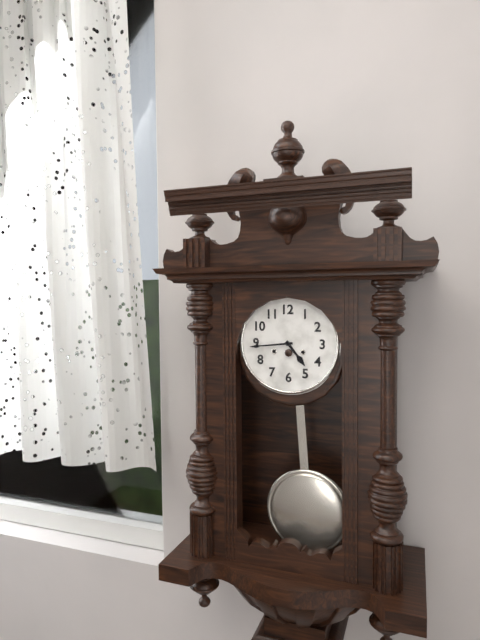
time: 4:44
